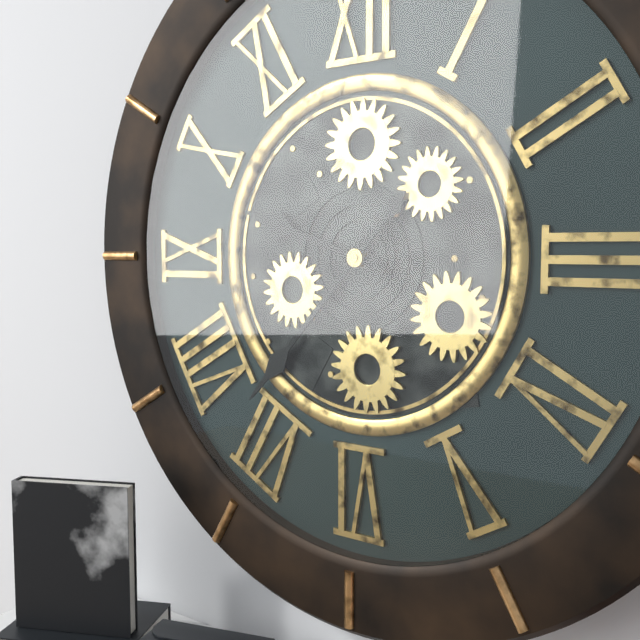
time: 9:37
